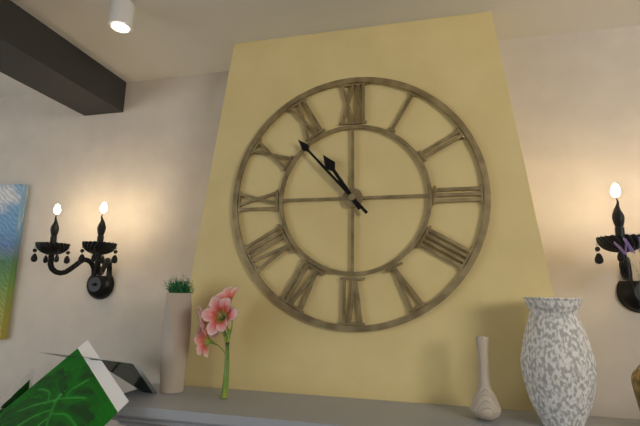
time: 10:53
